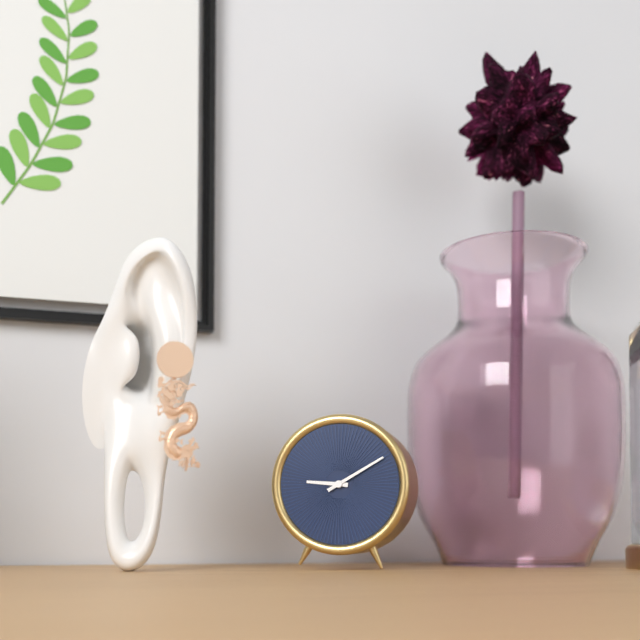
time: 9:10
